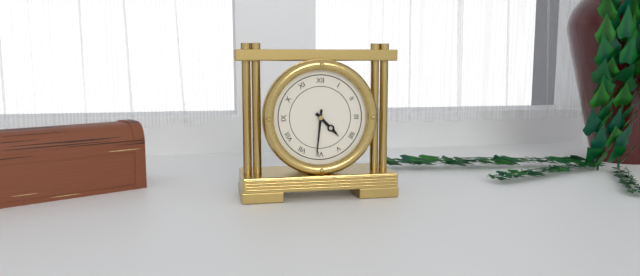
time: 4:31
